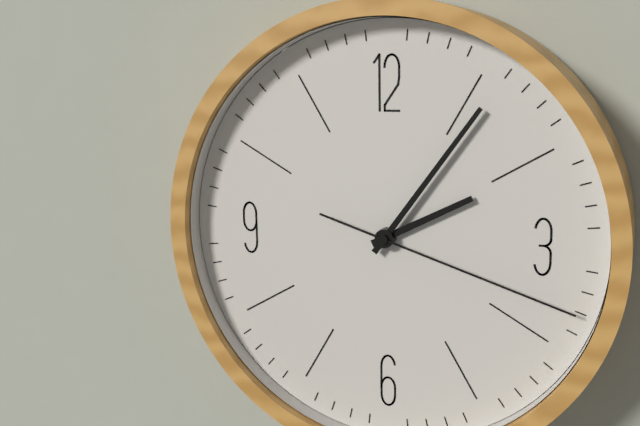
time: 2:06:18
